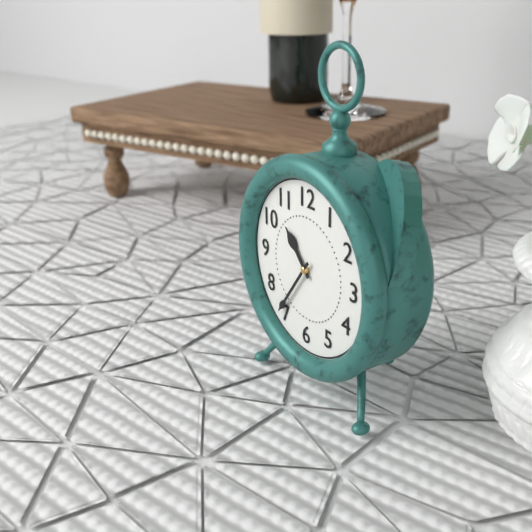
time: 10:36
